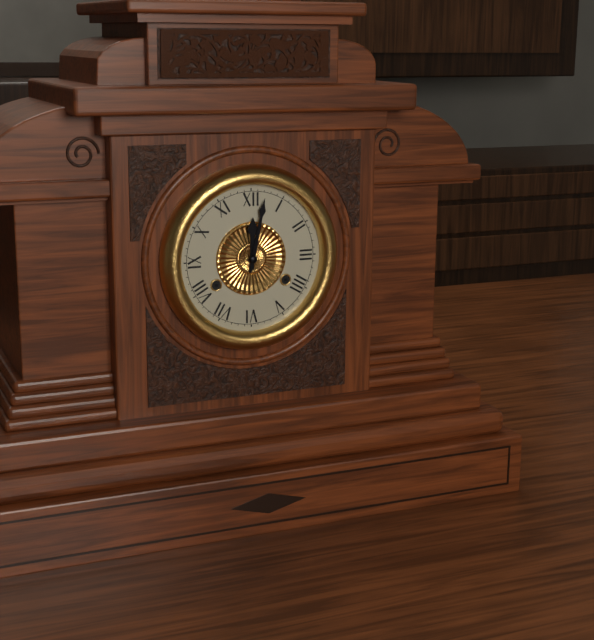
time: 12:02
